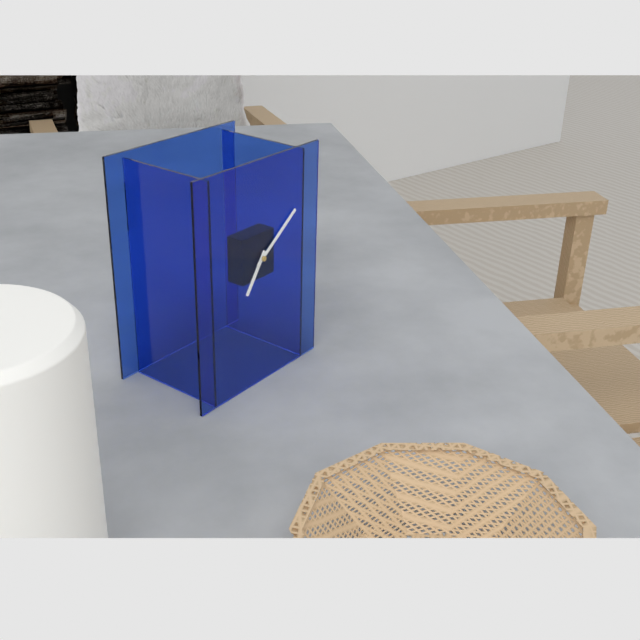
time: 7:09
